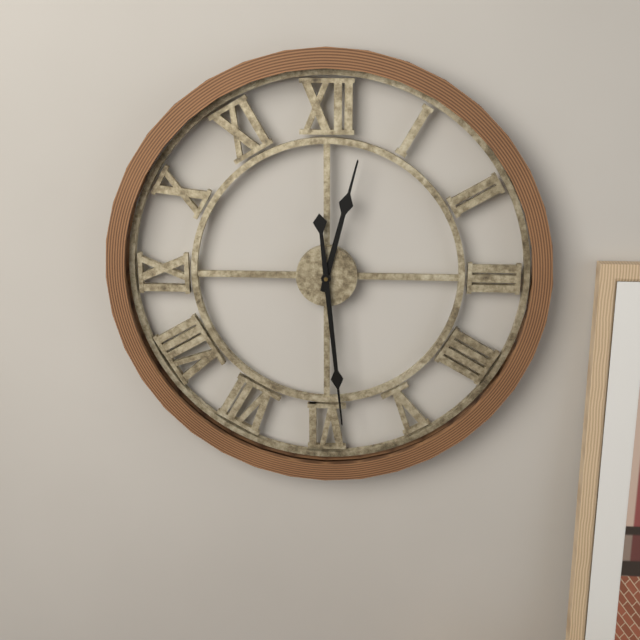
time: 12:29
